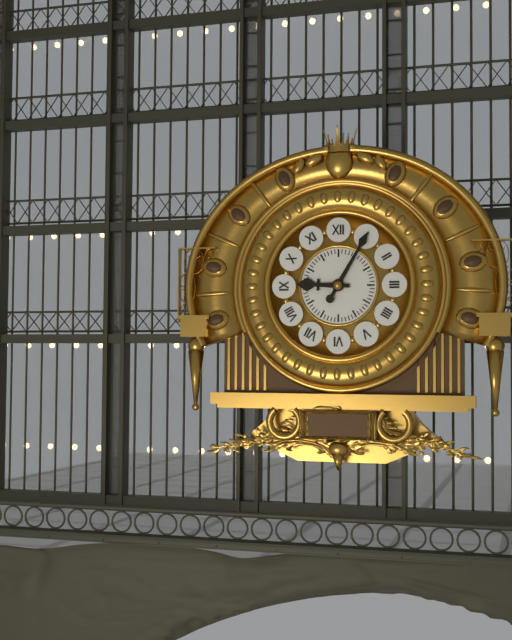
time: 9:05
